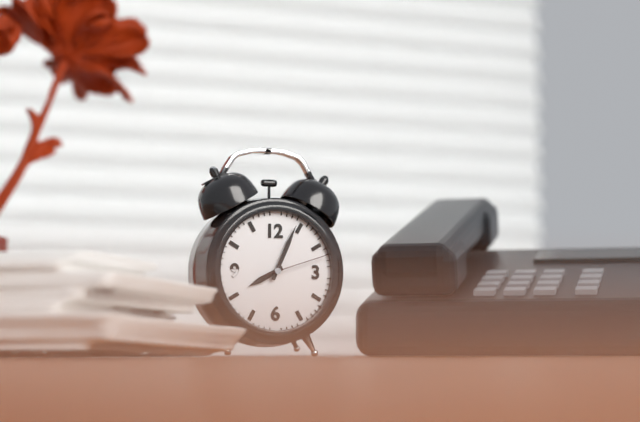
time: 8:04:12
